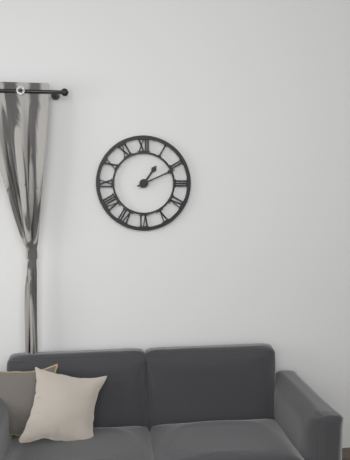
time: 1:11
